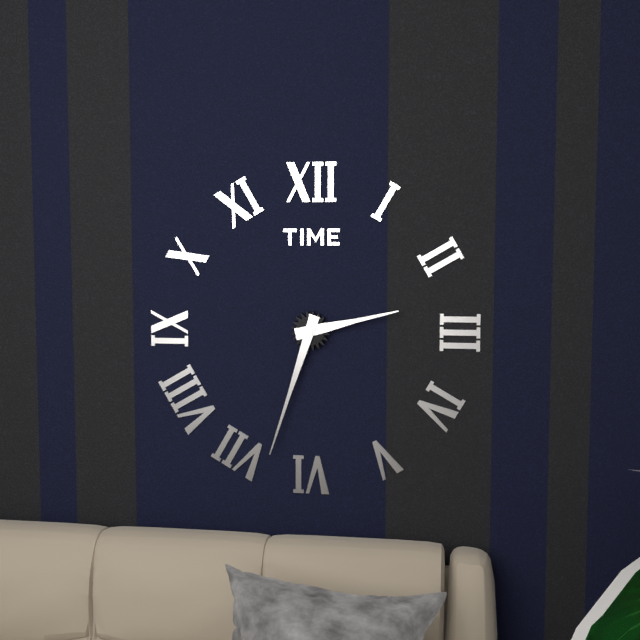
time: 2:33
